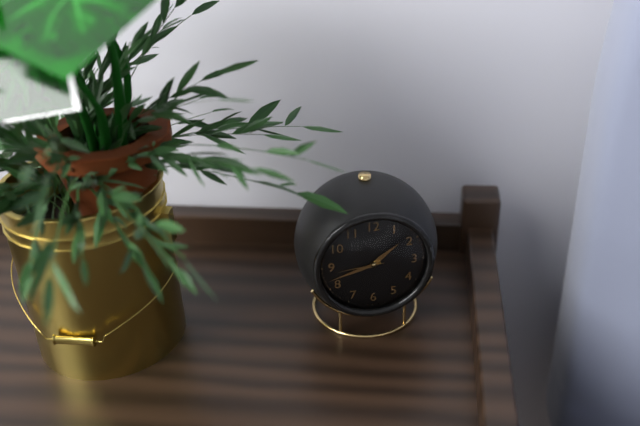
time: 1:42:44
